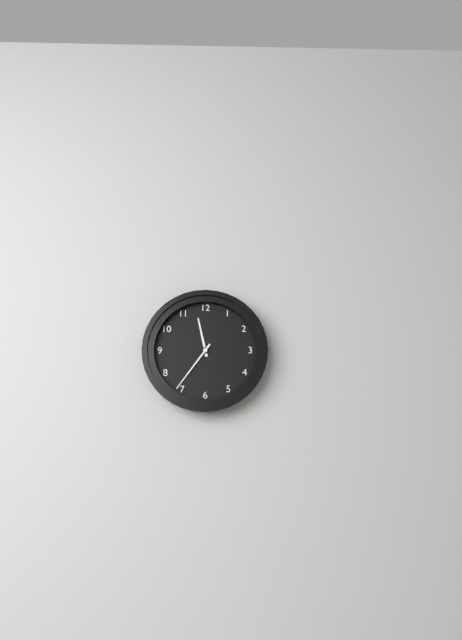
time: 11:36
